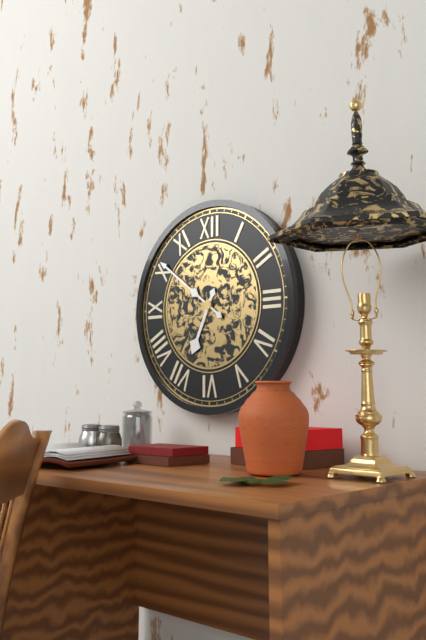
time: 6:51
